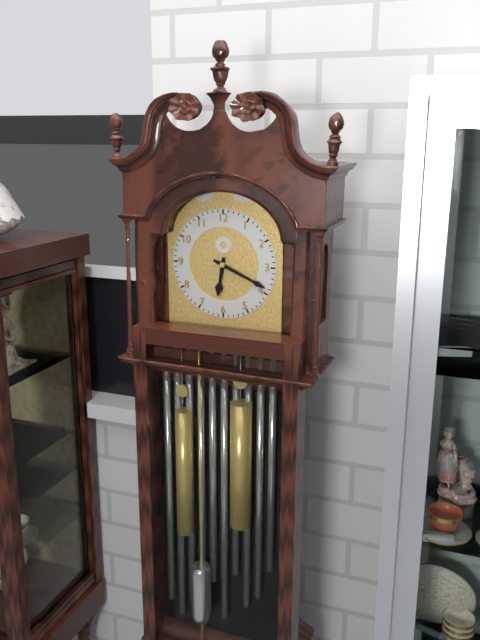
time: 6:19
